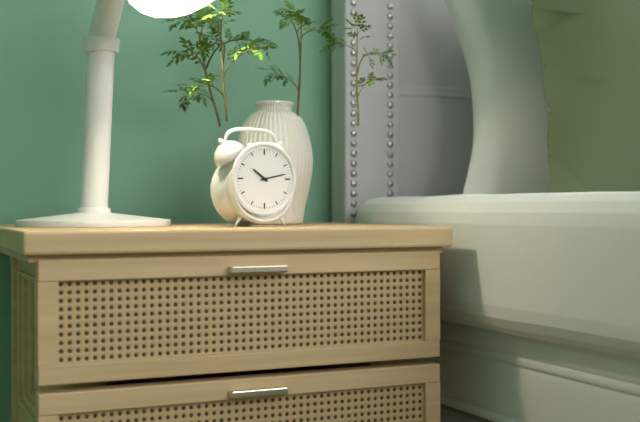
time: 10:13
